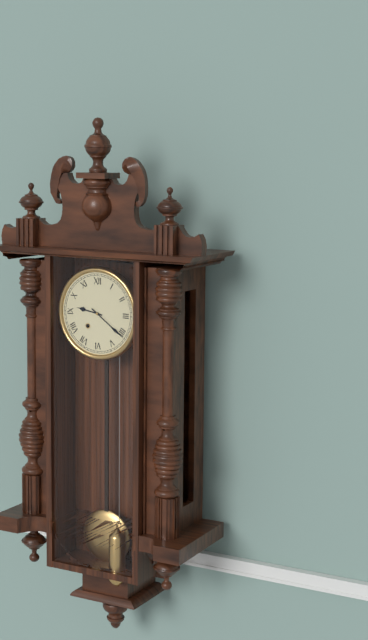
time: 9:21
